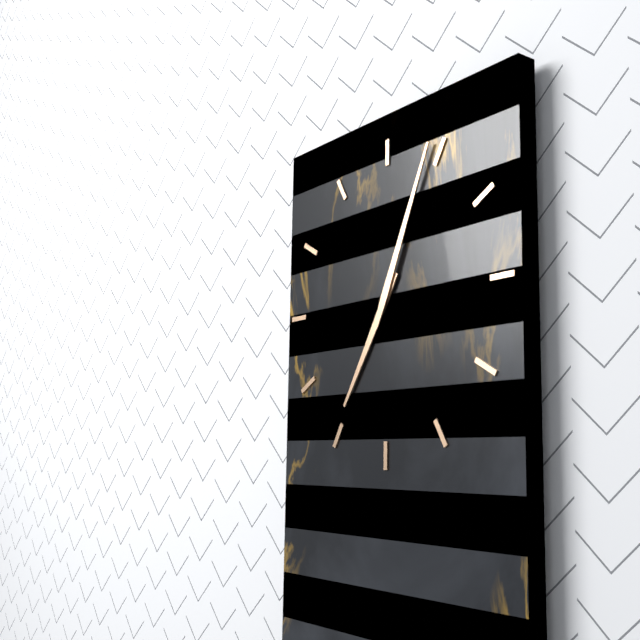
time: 7:04
